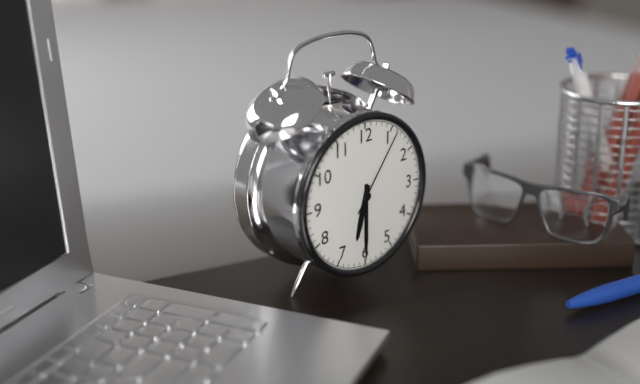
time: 6:30:06
